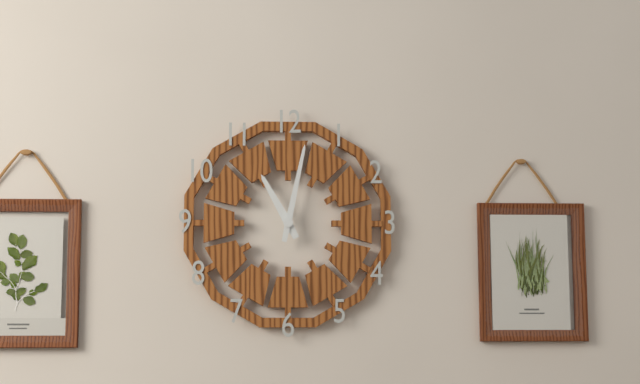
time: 11:02
